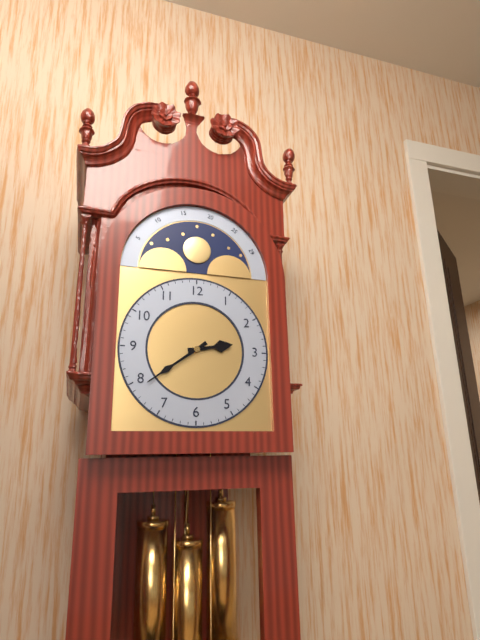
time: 2:39
